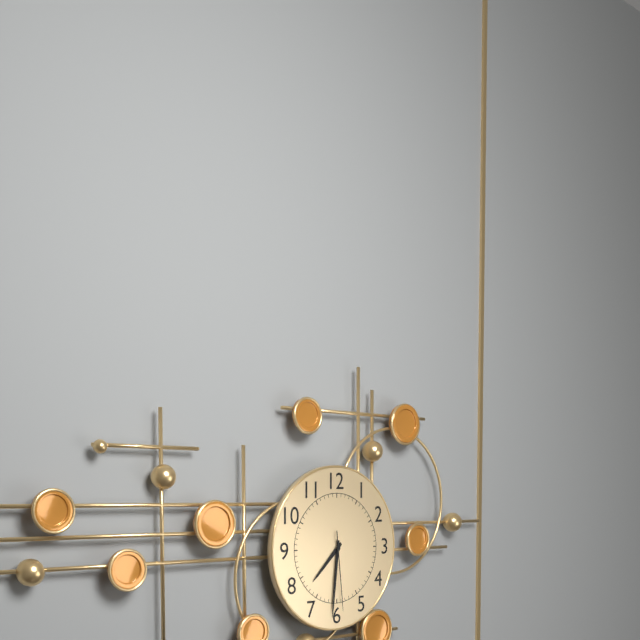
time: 7:31:29
